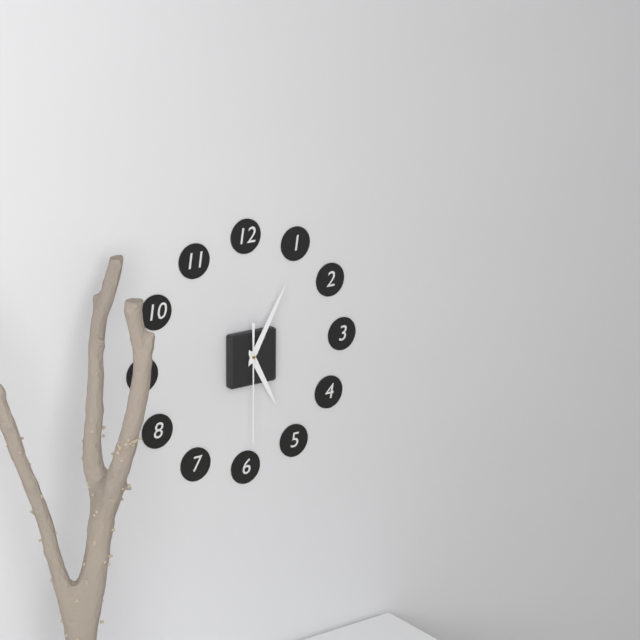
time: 5:05:30
